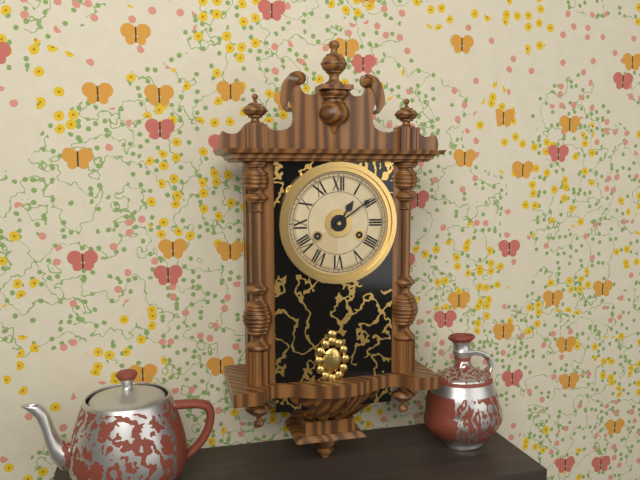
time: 1:09
